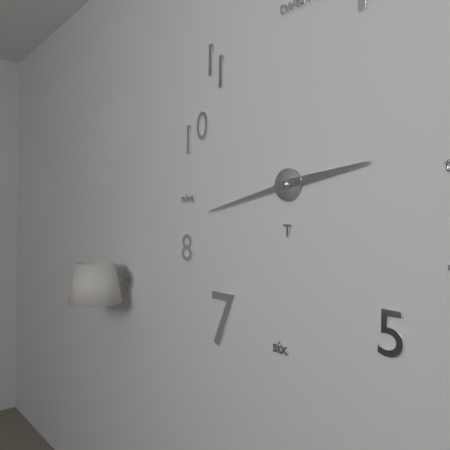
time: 2:43
